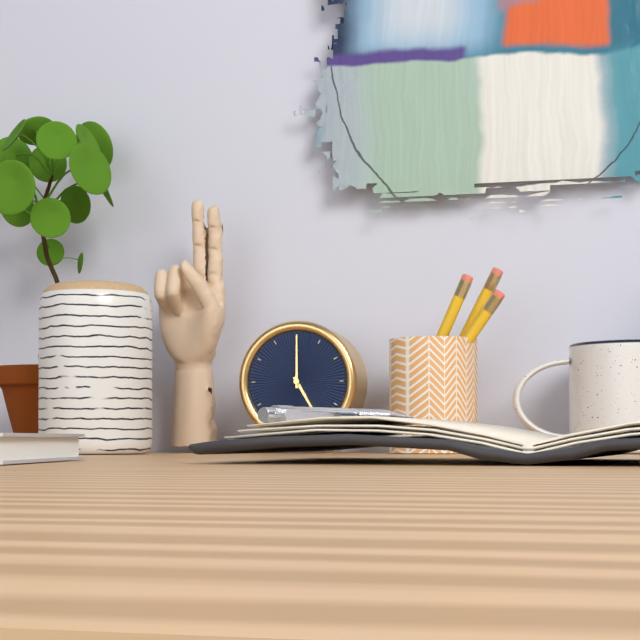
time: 5:00
